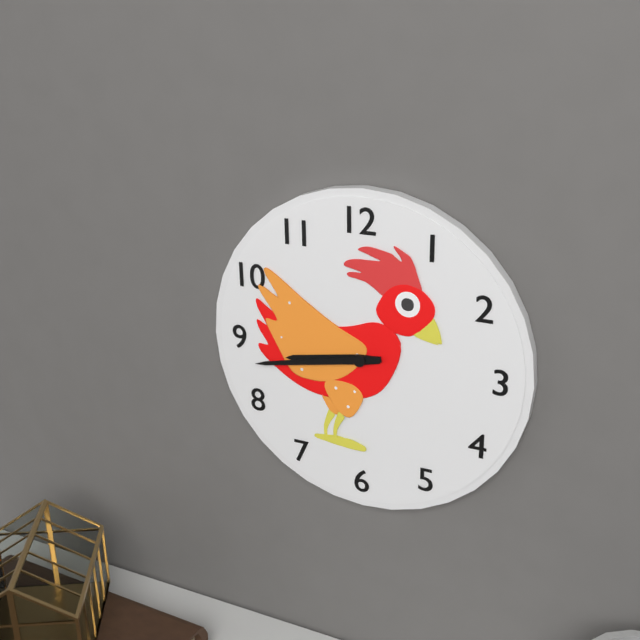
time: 8:43
